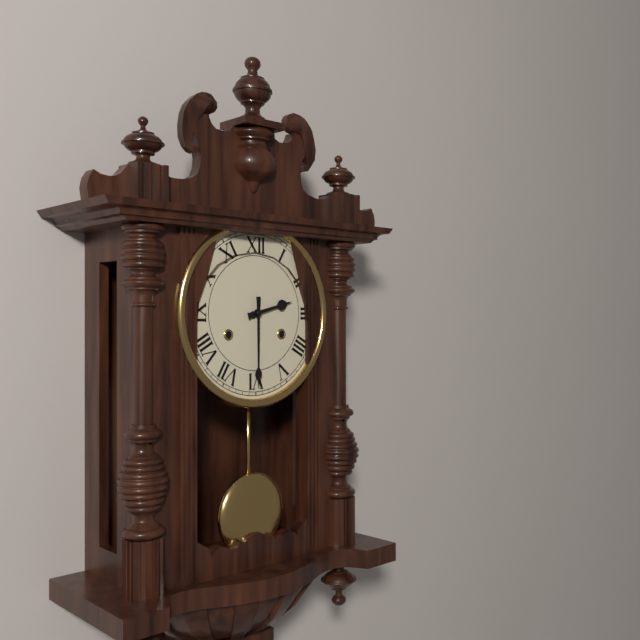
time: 2:30
